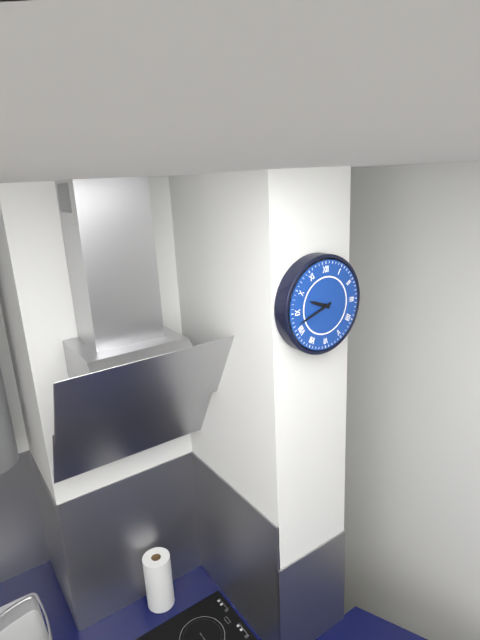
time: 9:42
